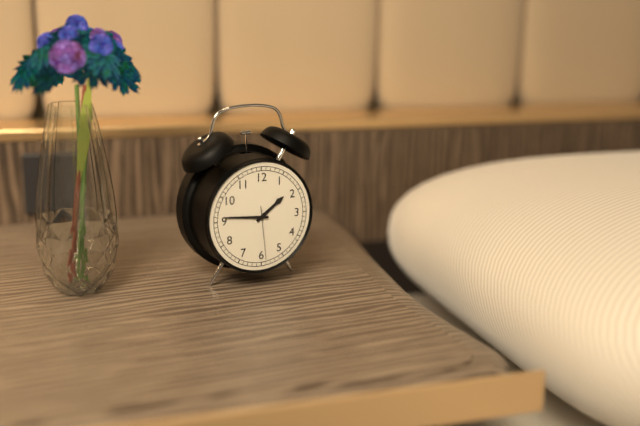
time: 1:46:29
